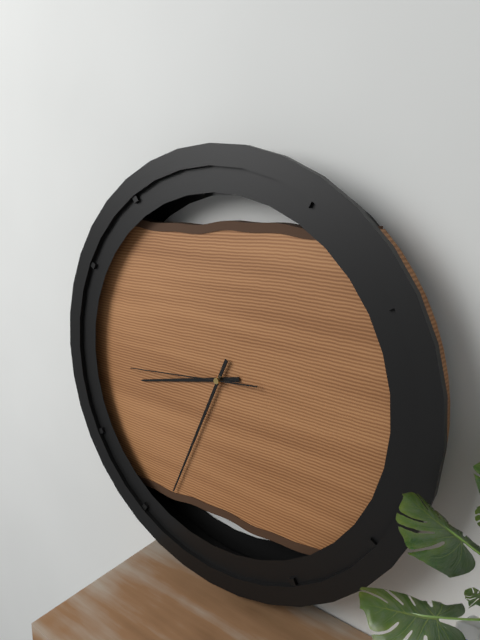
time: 8:34:44
